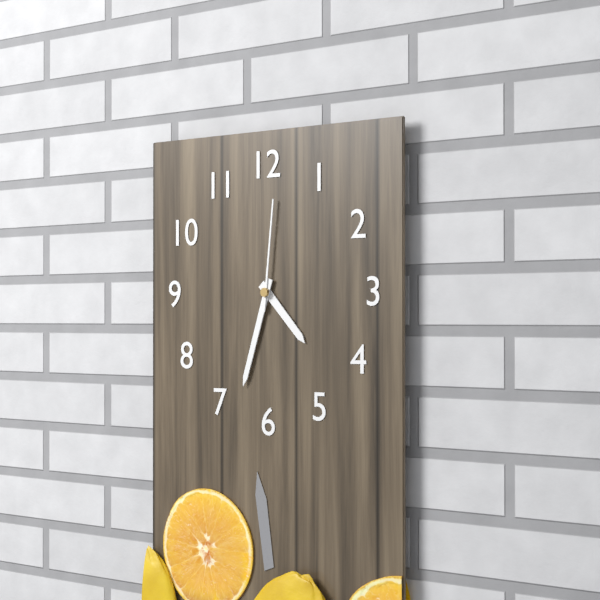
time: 4:33:01
